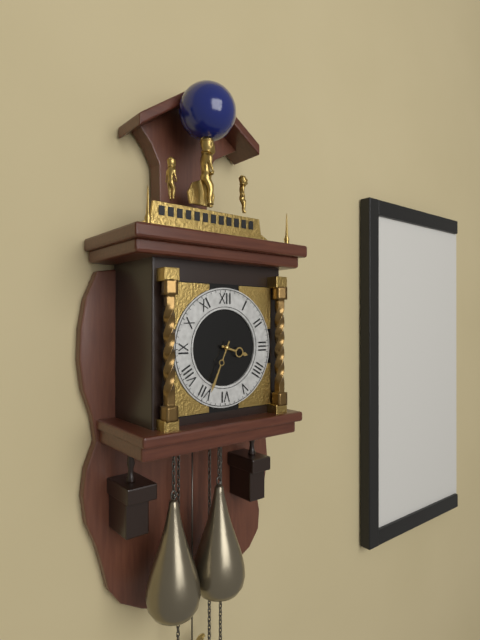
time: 3:34
